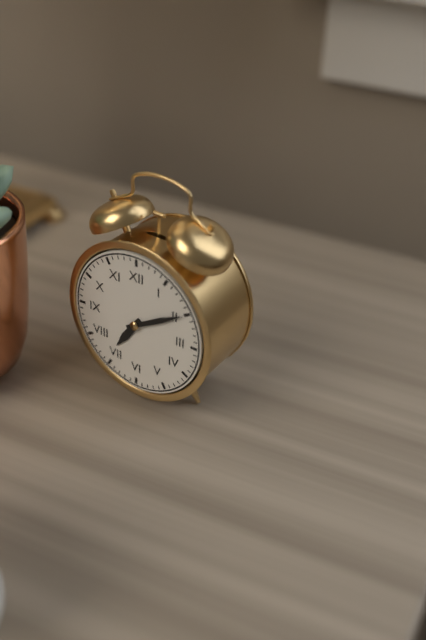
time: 7:10
